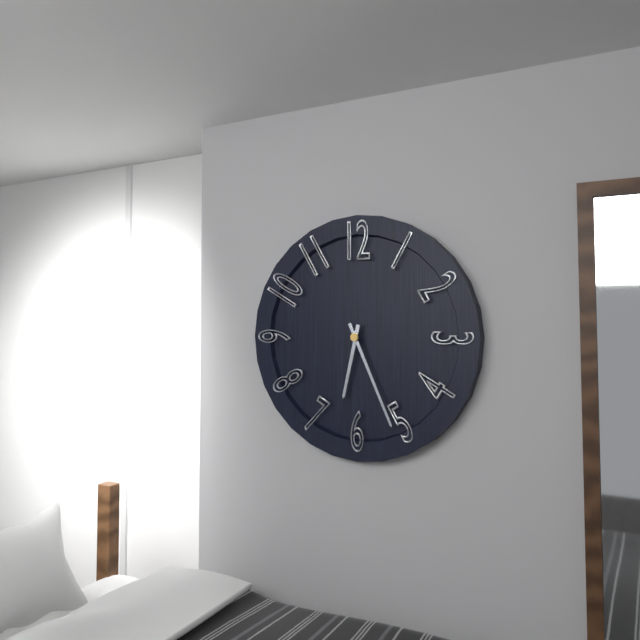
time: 6:26
